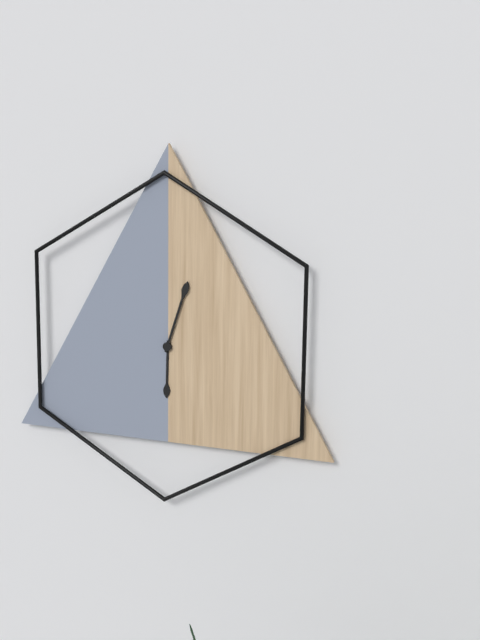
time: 6:03
